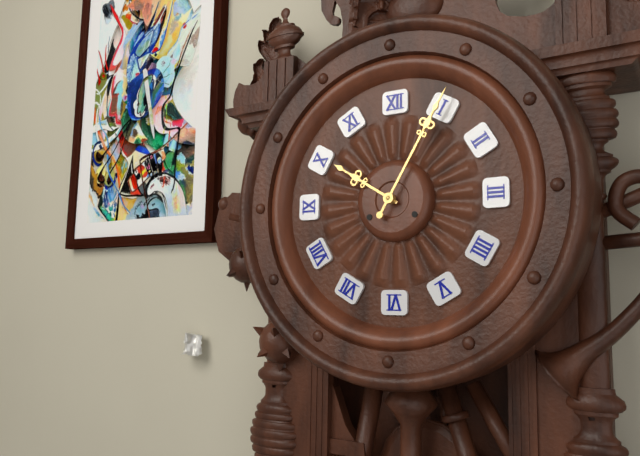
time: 10:05
